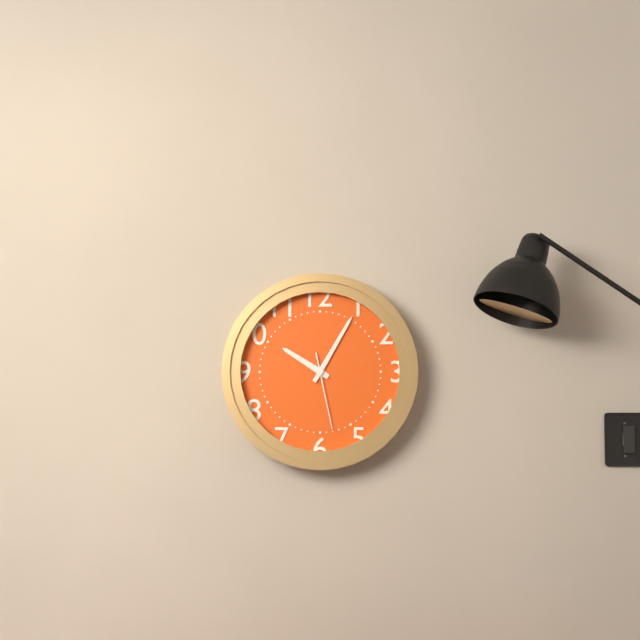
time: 10:05:28
